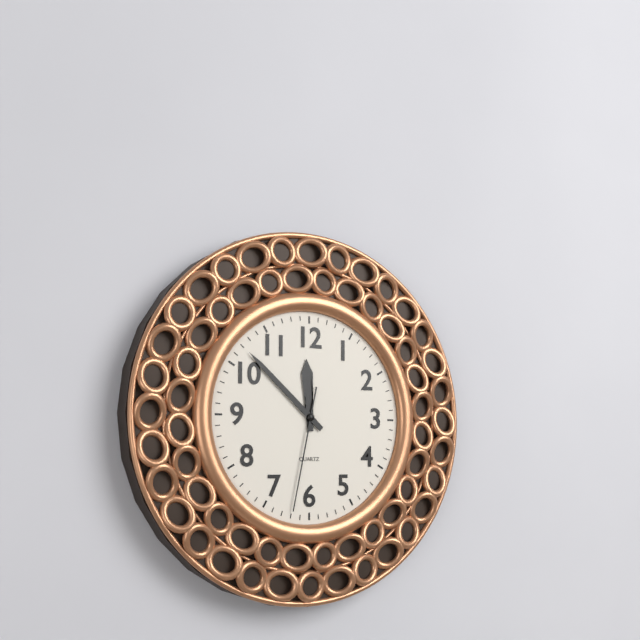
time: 11:52:32
